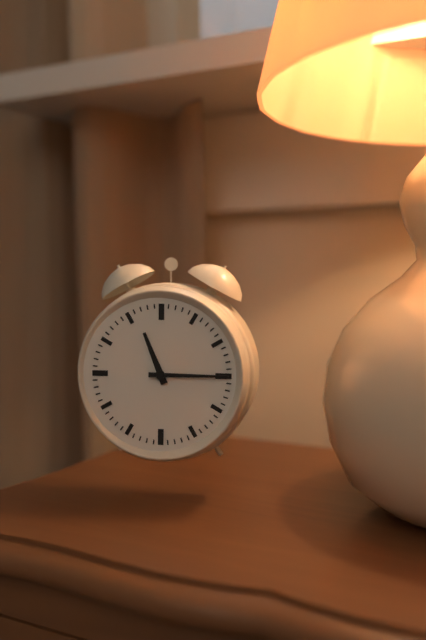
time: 11:15
